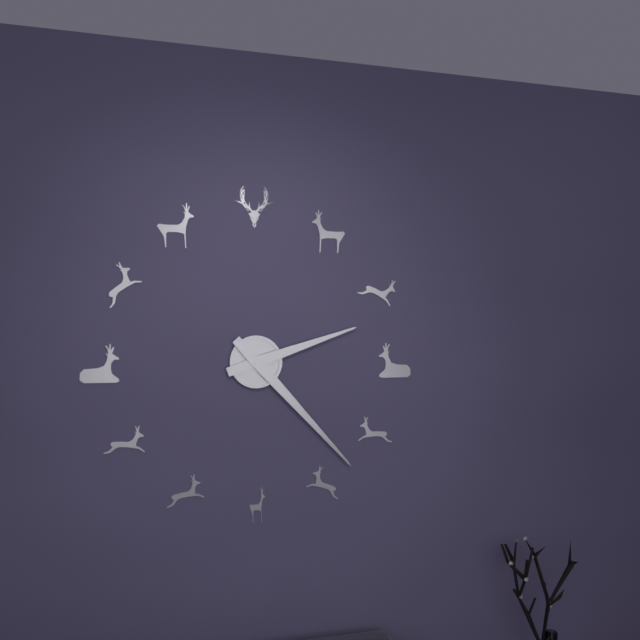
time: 2:23
